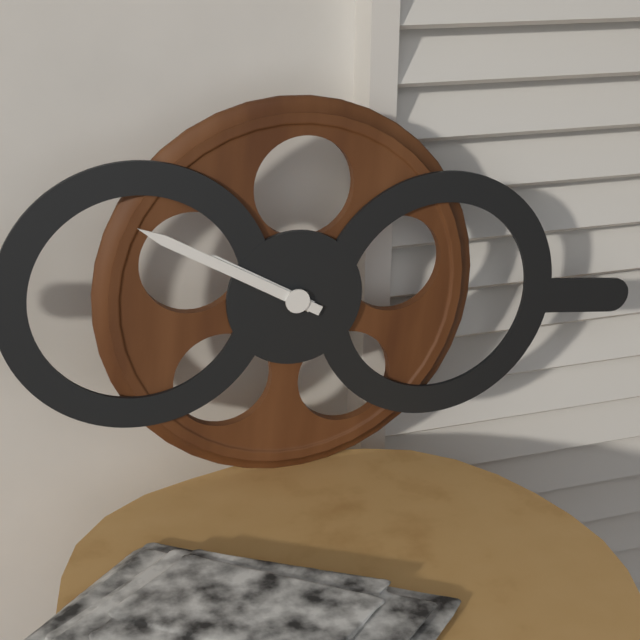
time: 9:49
